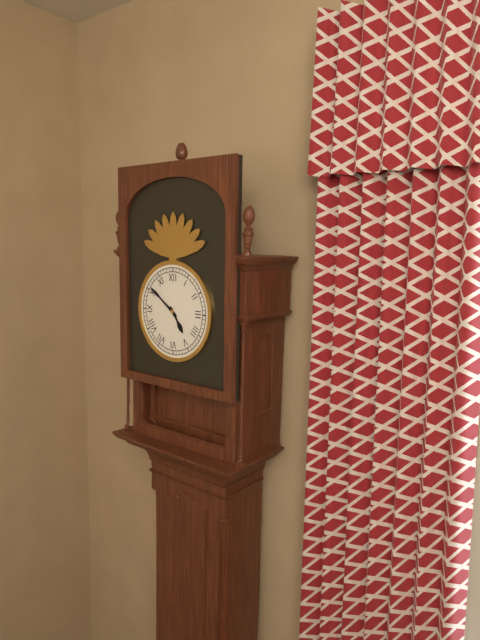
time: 4:51
